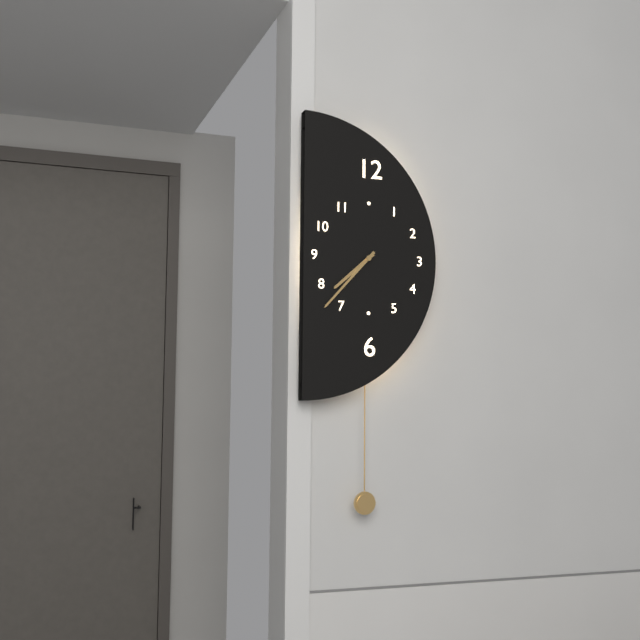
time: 7:37
